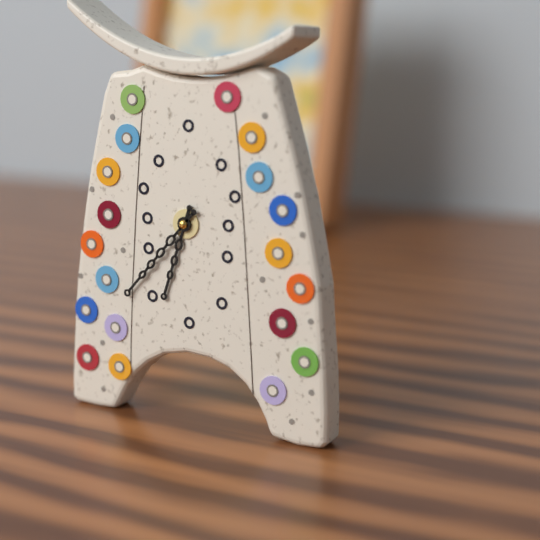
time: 6:37
